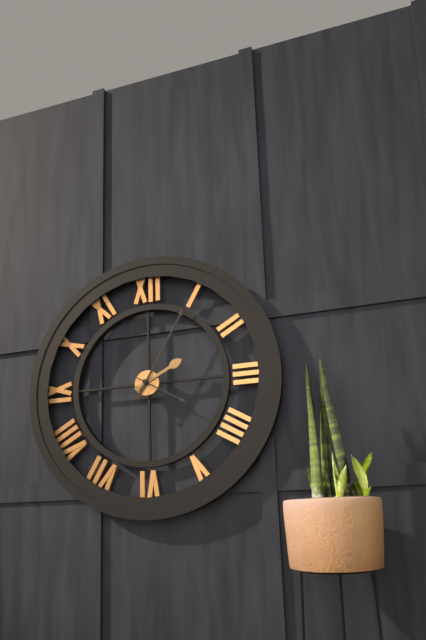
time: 2:05:20
